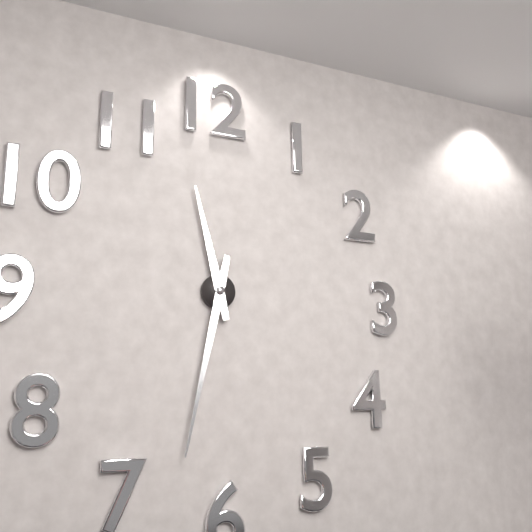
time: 11:32
